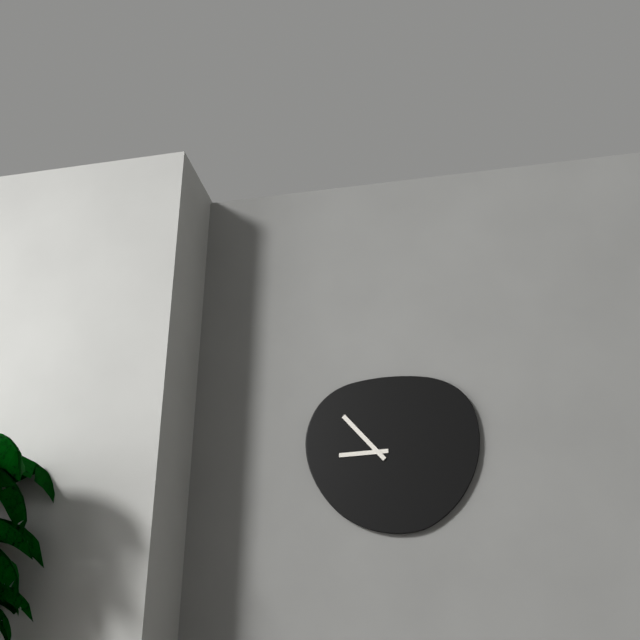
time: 8:53
